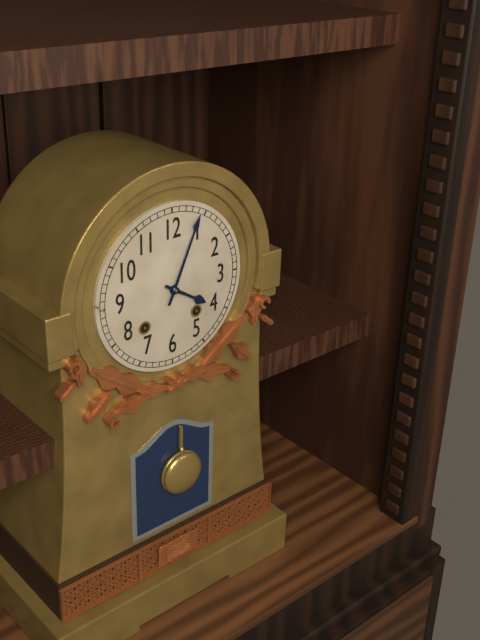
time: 4:04
